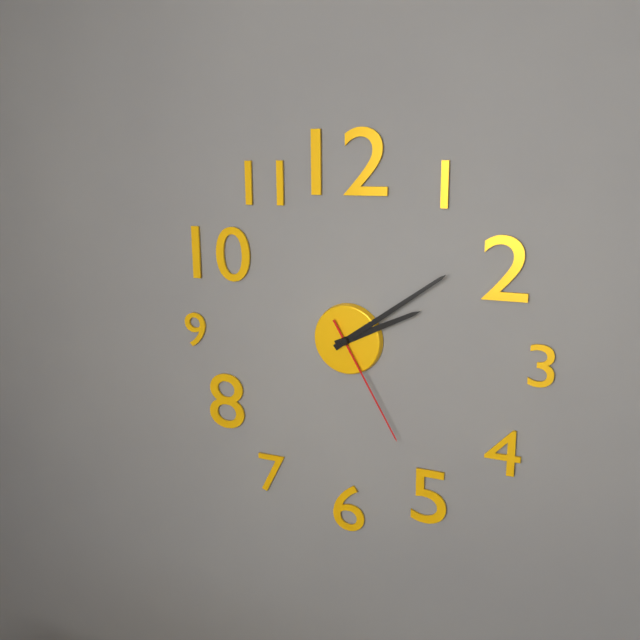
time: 2:09:25
